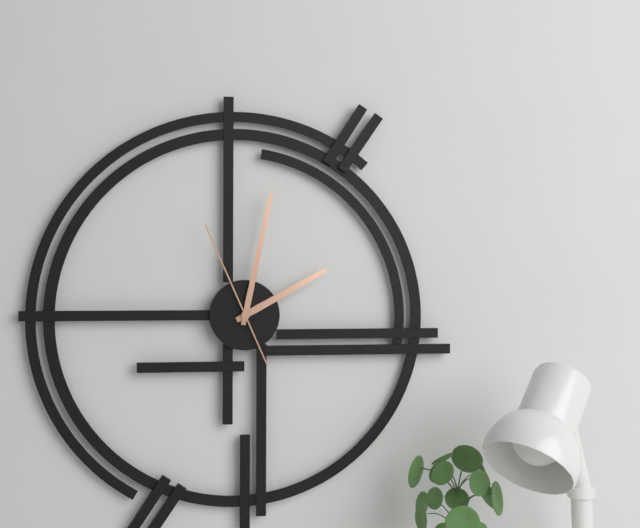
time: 2:02:56
